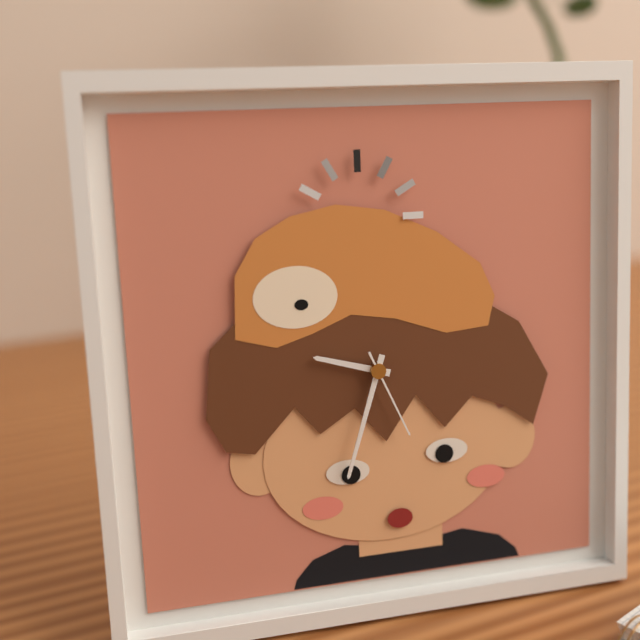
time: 9:33:26
